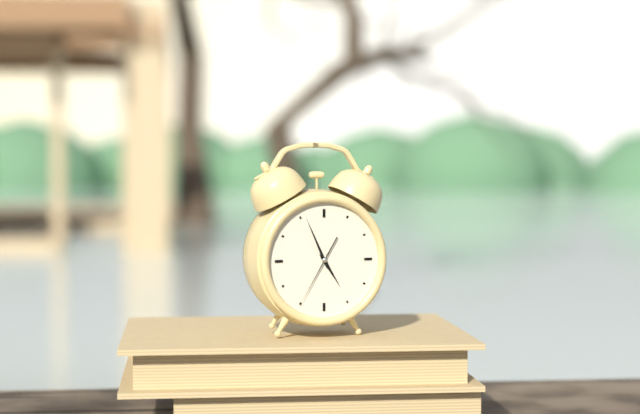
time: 4:56:35
